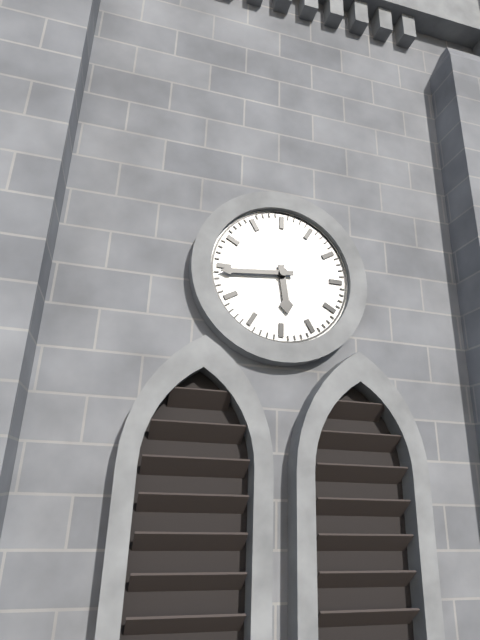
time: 5:44
